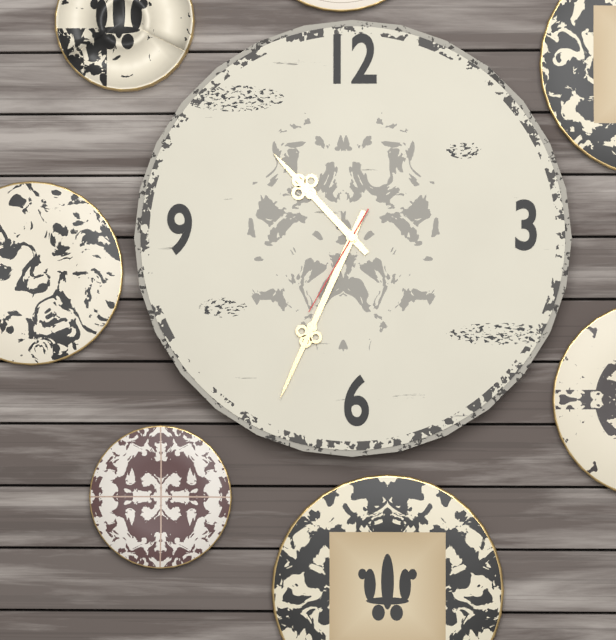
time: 10:34:35
